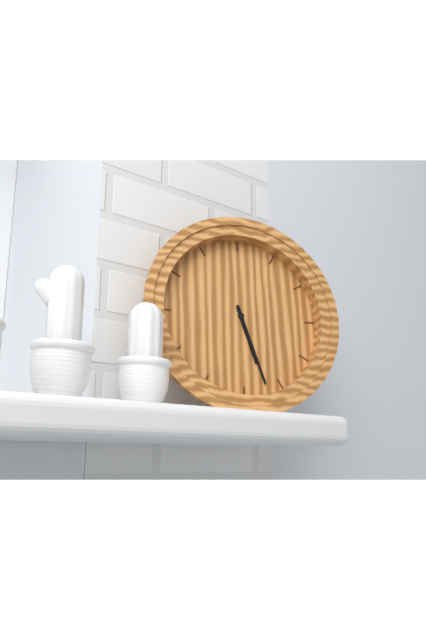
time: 5:27
